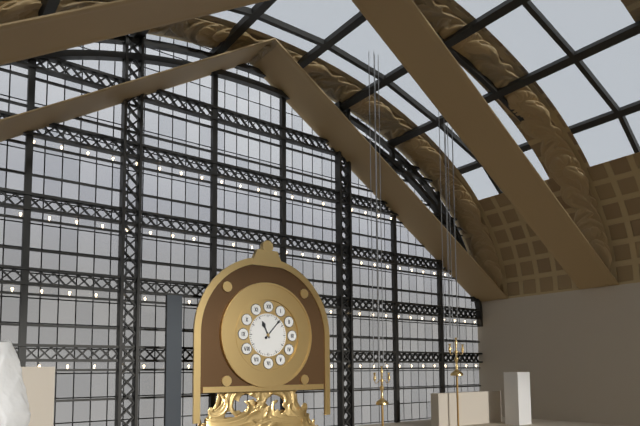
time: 11:07
